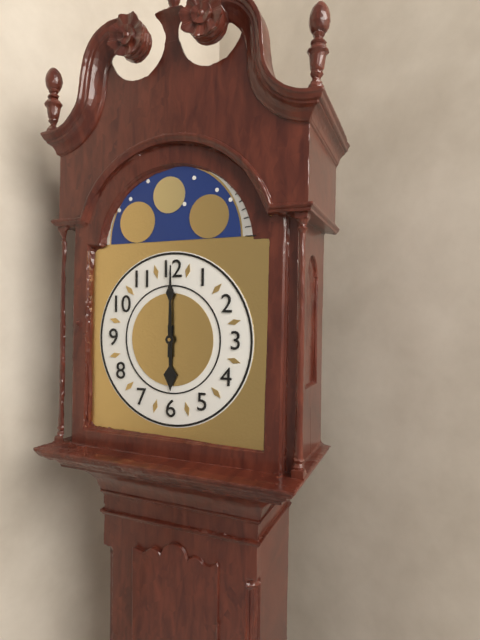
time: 6:00
